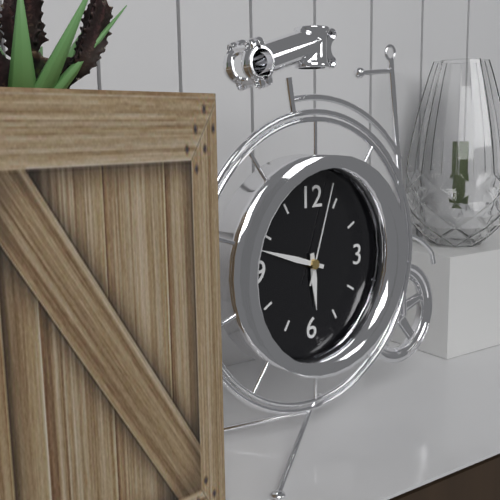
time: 5:48:03
